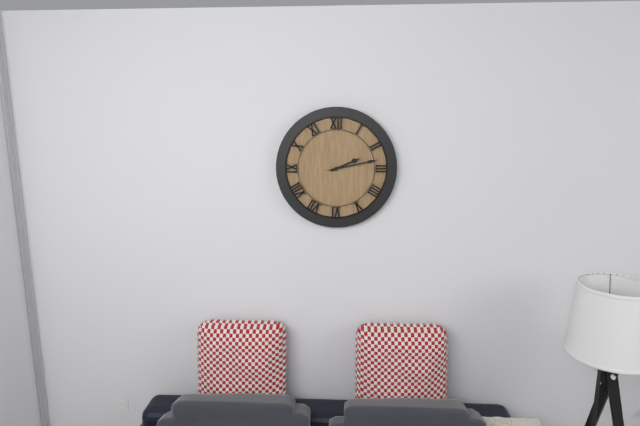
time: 2:13
